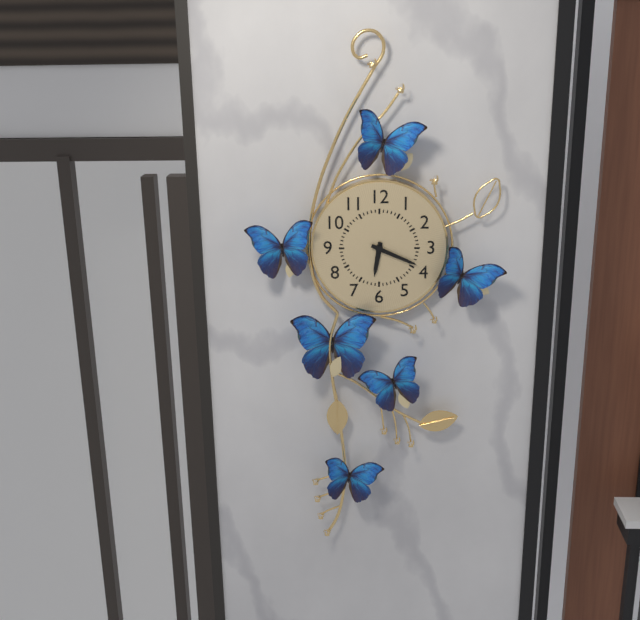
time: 6:19
